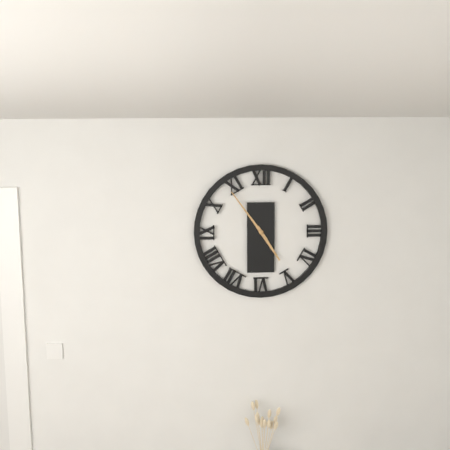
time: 4:54
